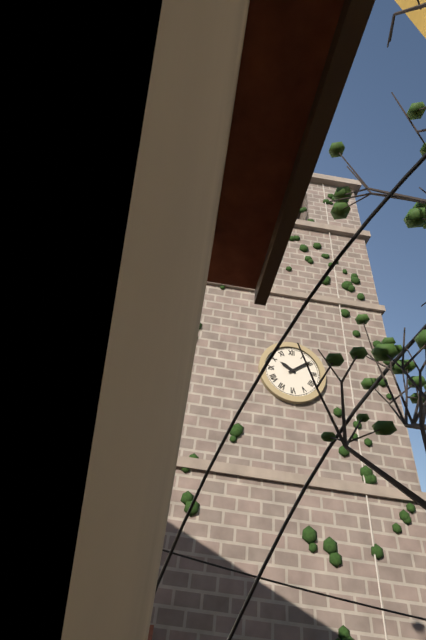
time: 10:09
